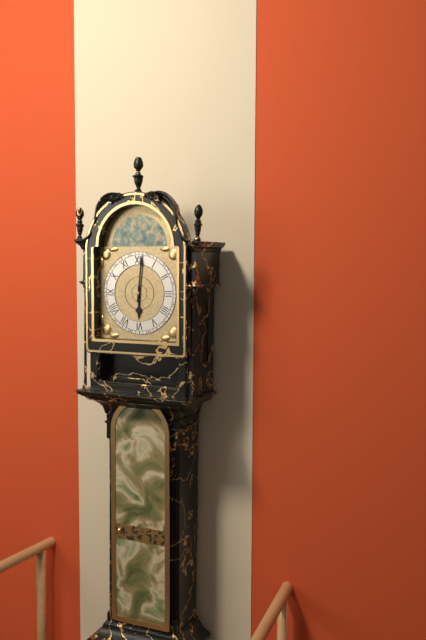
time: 6:01
